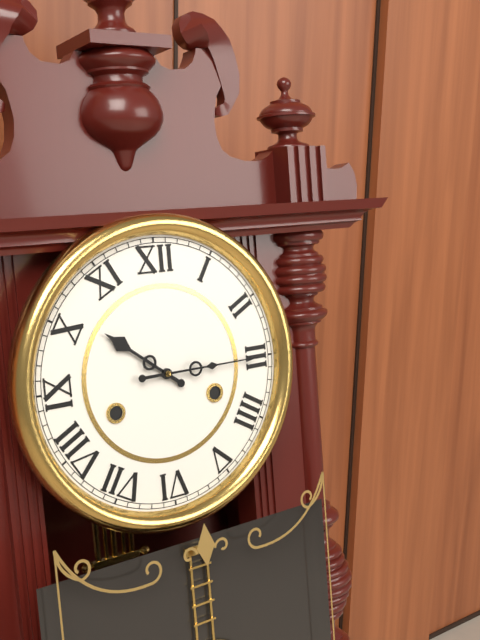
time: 10:15
